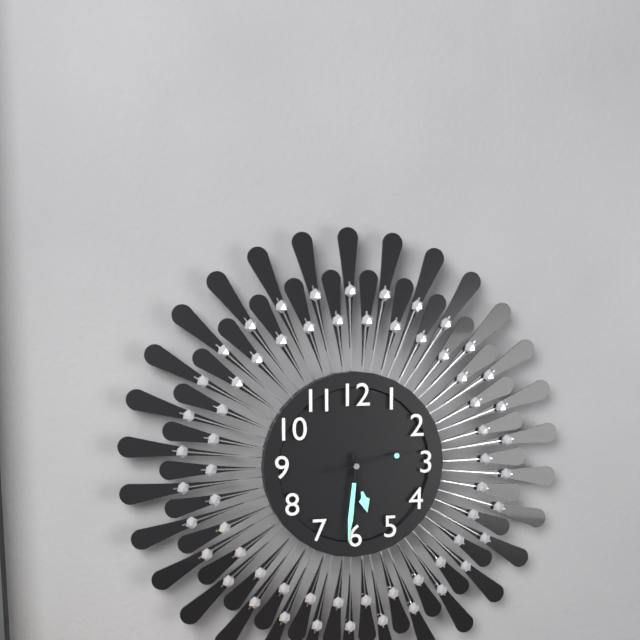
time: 5:31:13
